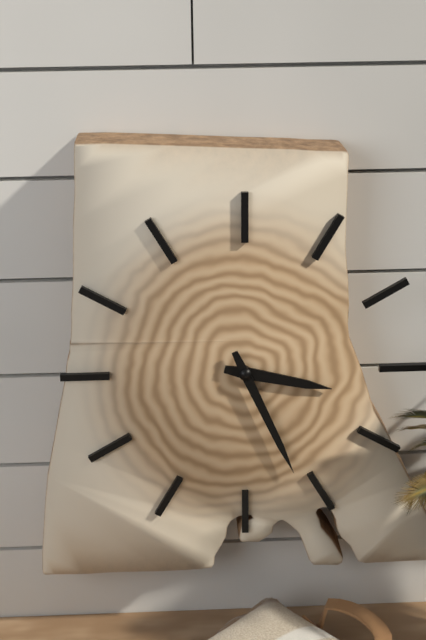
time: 3:26
